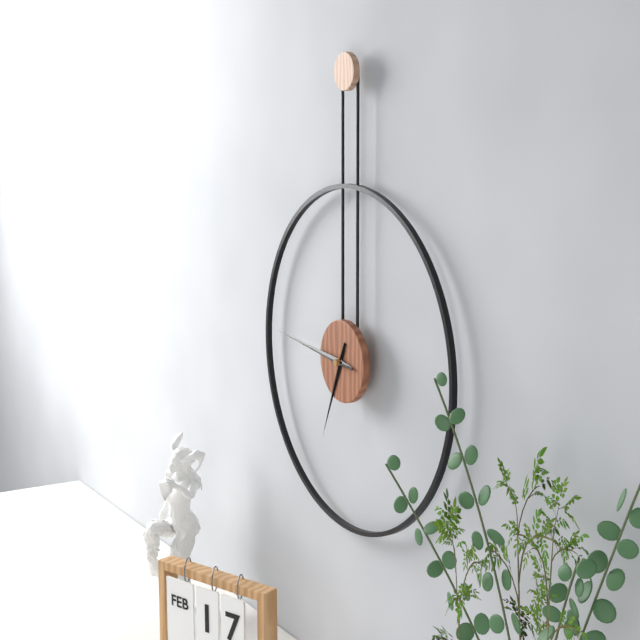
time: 6:46
